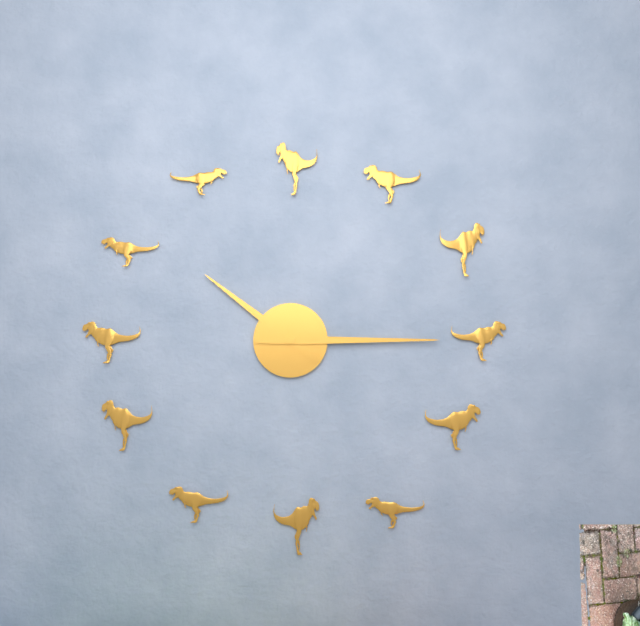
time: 10:15
